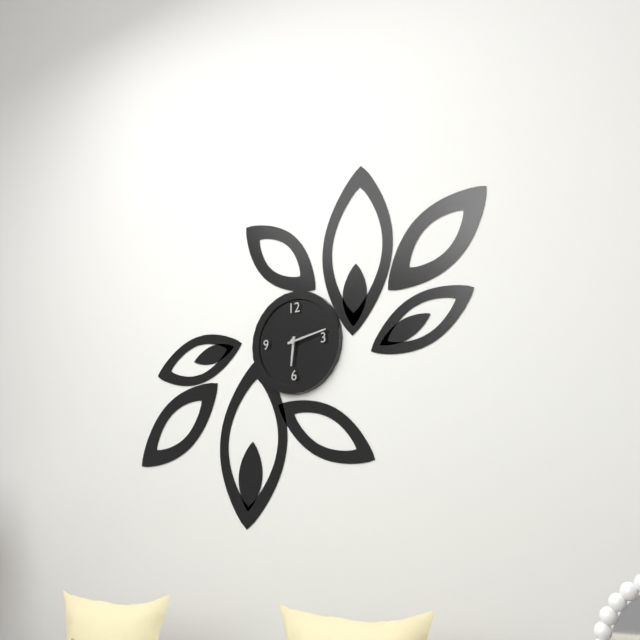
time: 6:13
